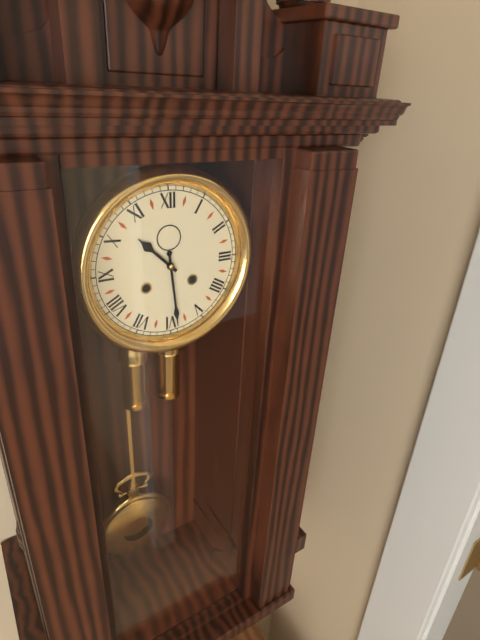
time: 10:29
